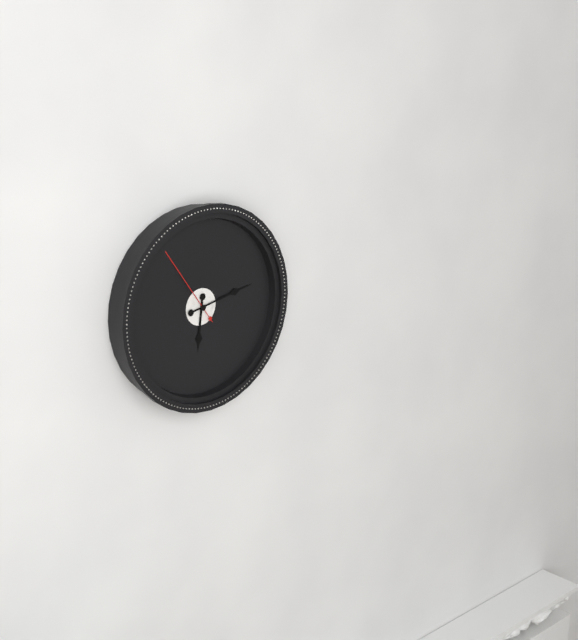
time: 6:13:54
